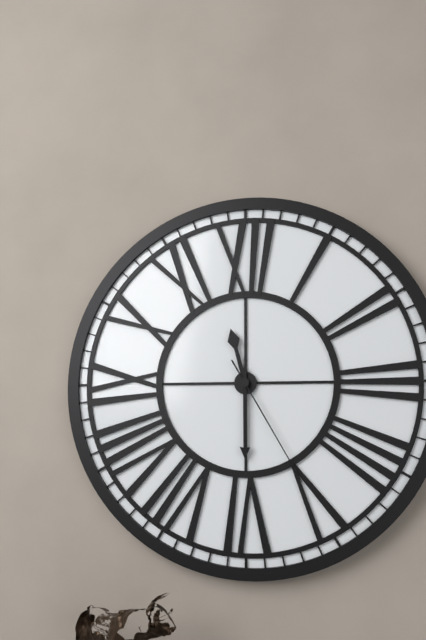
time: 11:30:25
